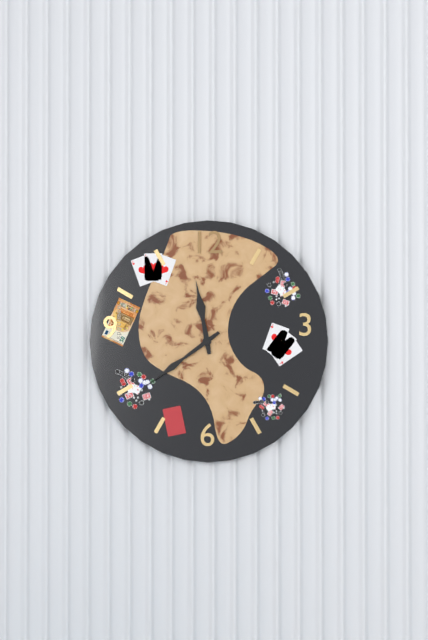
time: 11:39
